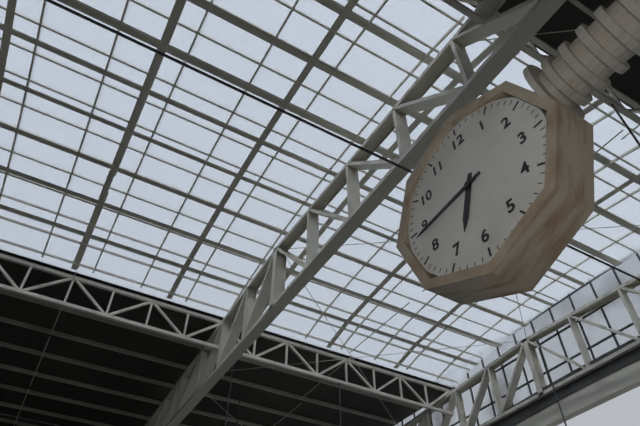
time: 6:44
